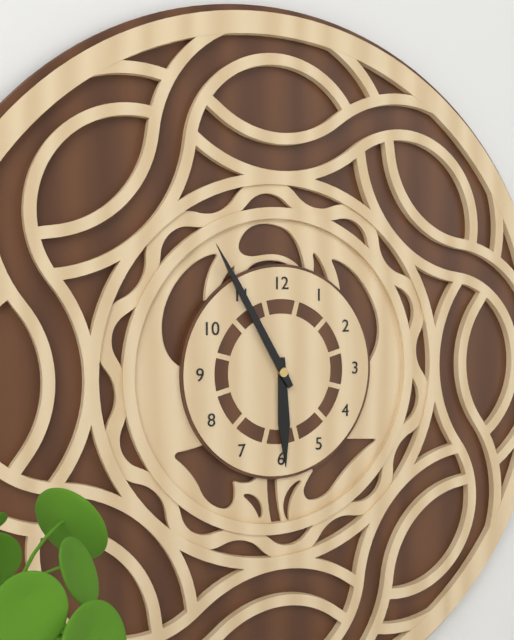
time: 5:55
